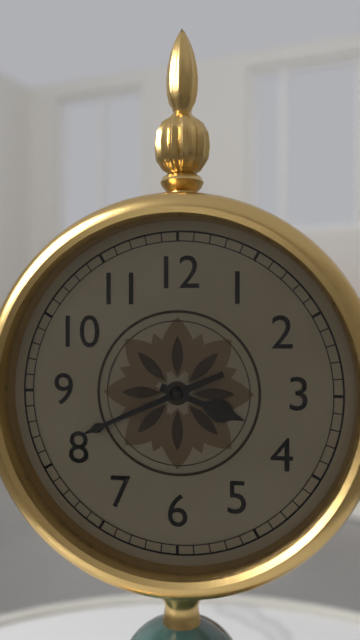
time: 3:41
